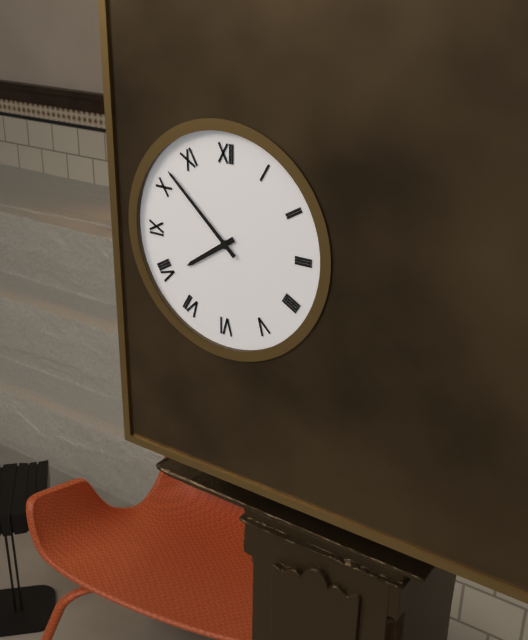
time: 7:52
